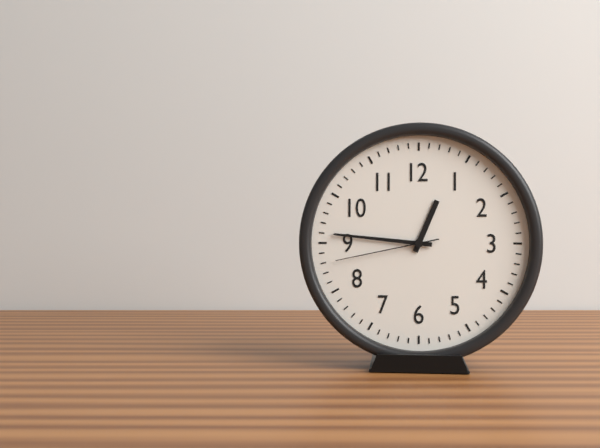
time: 12:46:43
